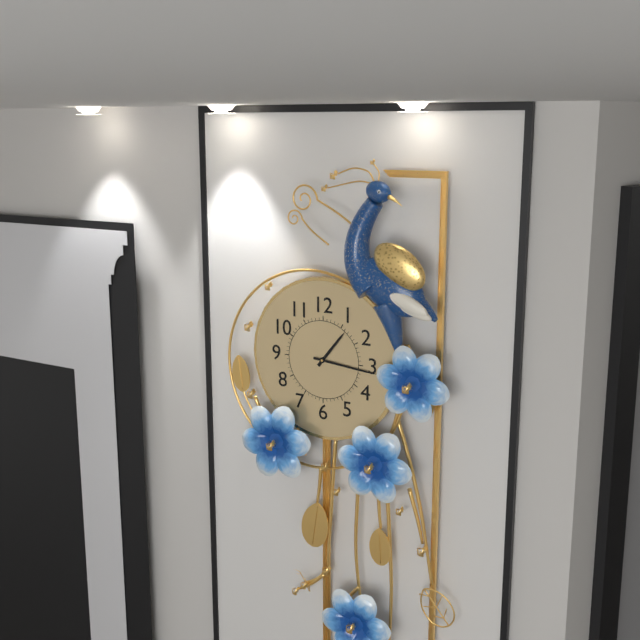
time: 1:16
